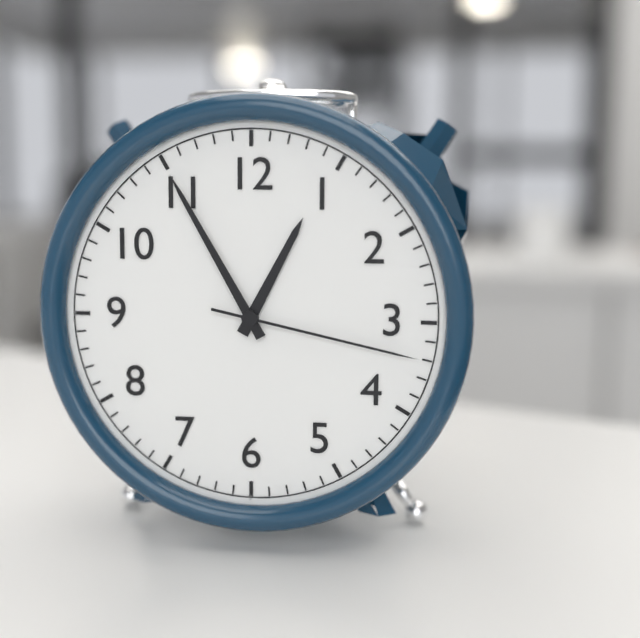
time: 12:55:17
